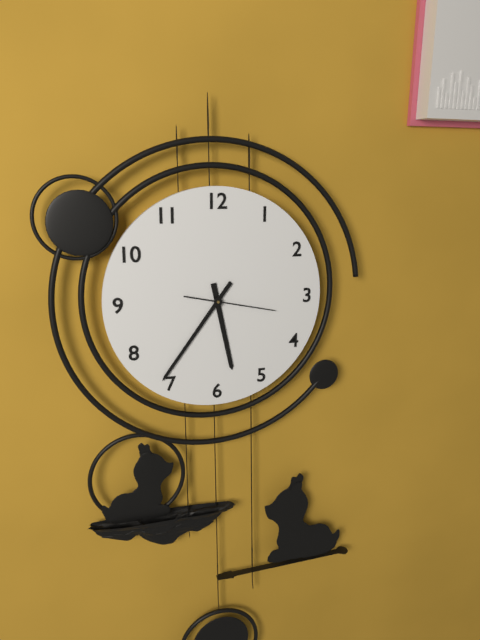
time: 5:36:17
